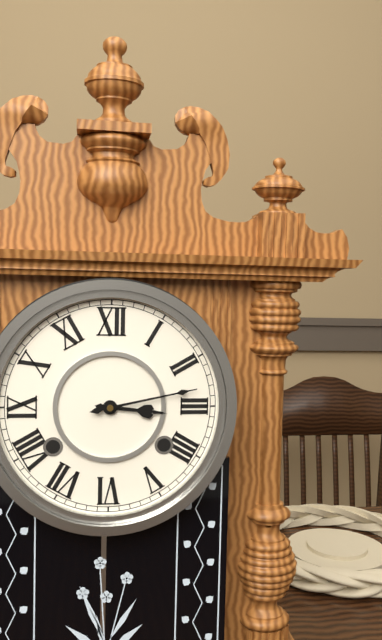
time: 3:13
